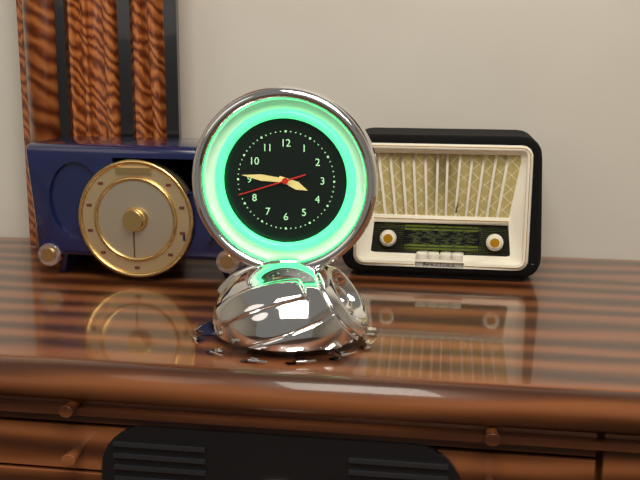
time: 3:46:42
